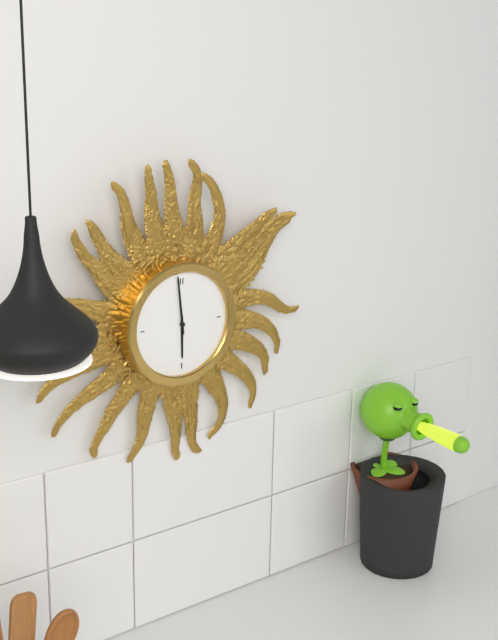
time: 5:59
